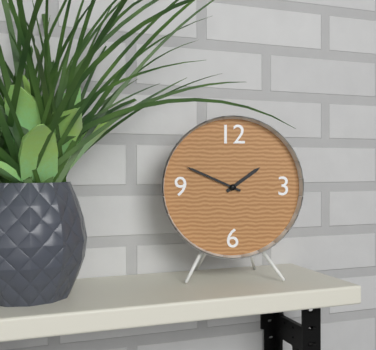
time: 1:49
